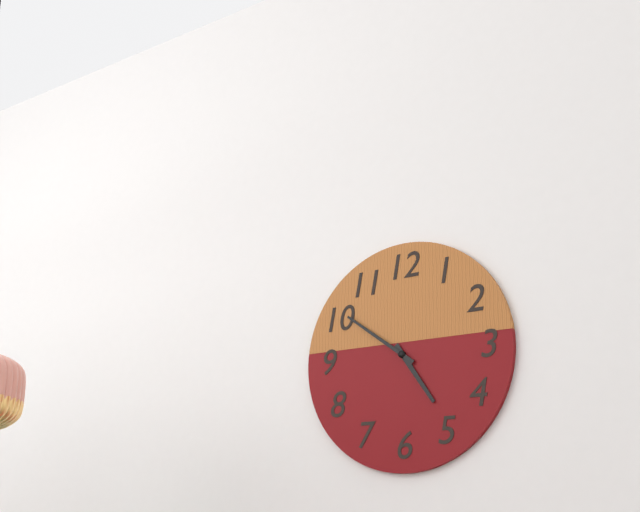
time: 4:51
